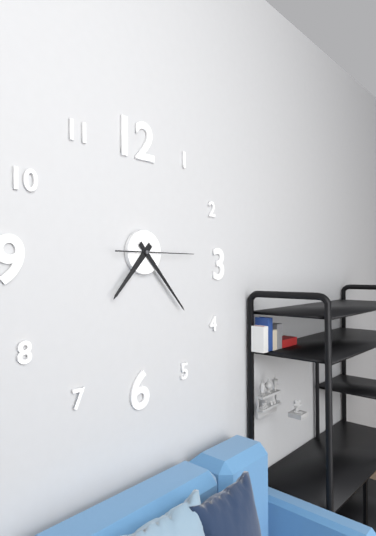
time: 7:23:15
